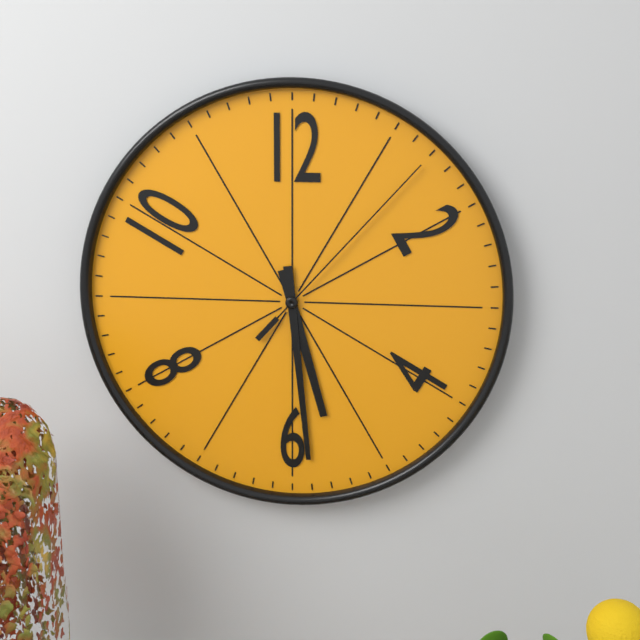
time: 5:29:07
